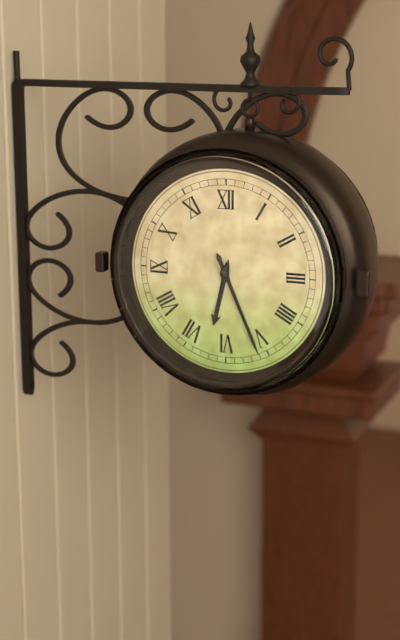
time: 6:26
